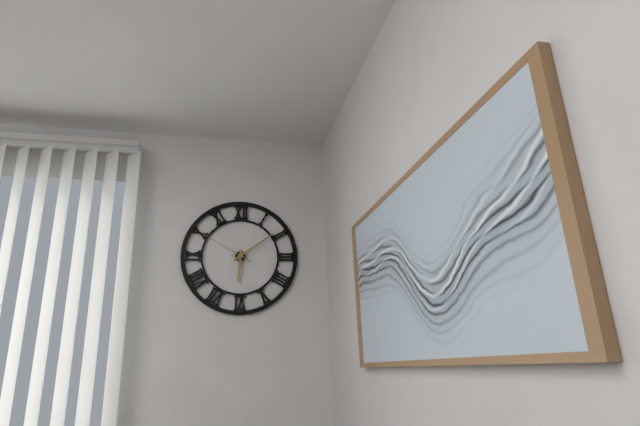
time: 6:09:50
